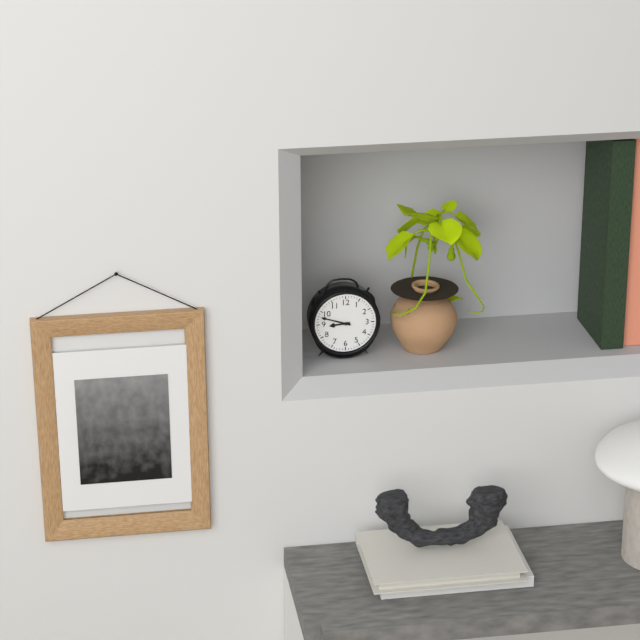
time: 8:48
